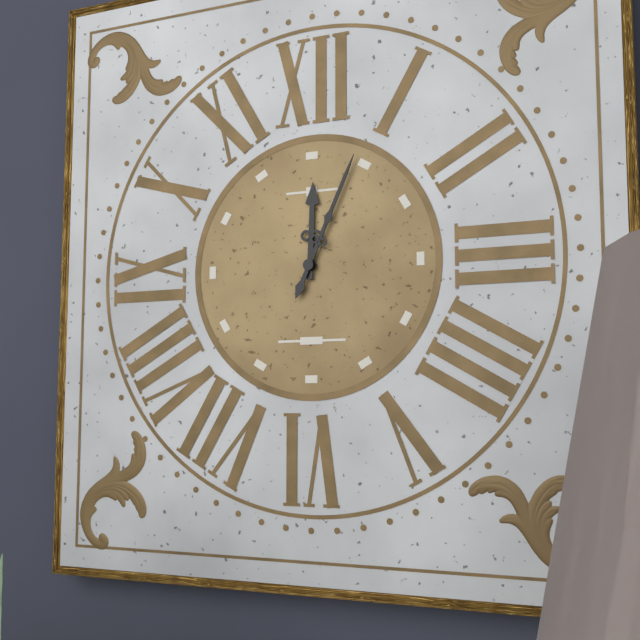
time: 12:04
